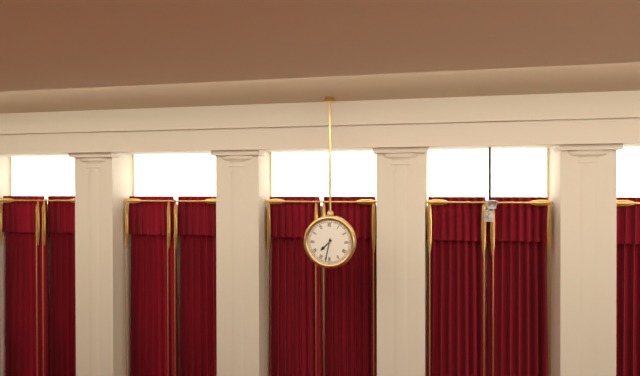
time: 7:32
